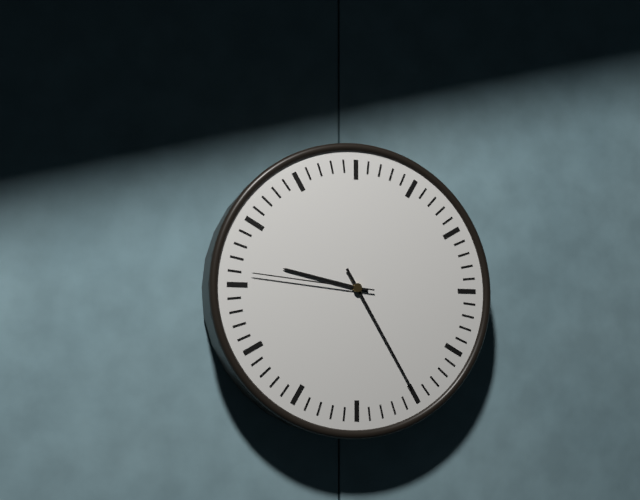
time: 9:25:46
